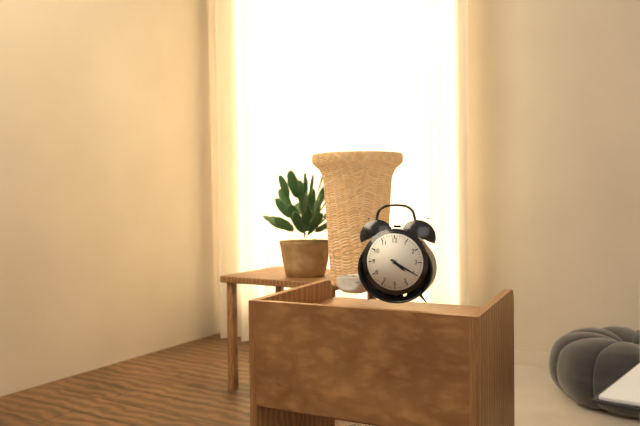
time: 4:20
